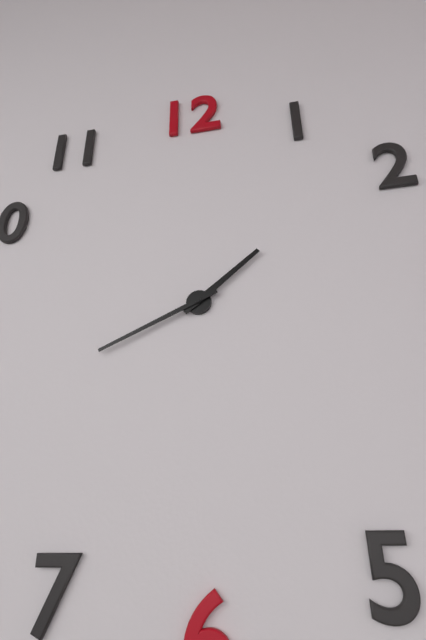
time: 1:41
